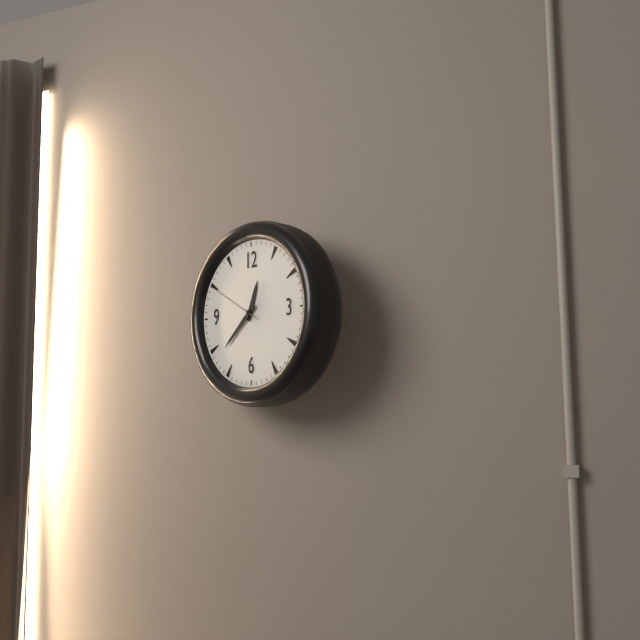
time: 12:38:50
